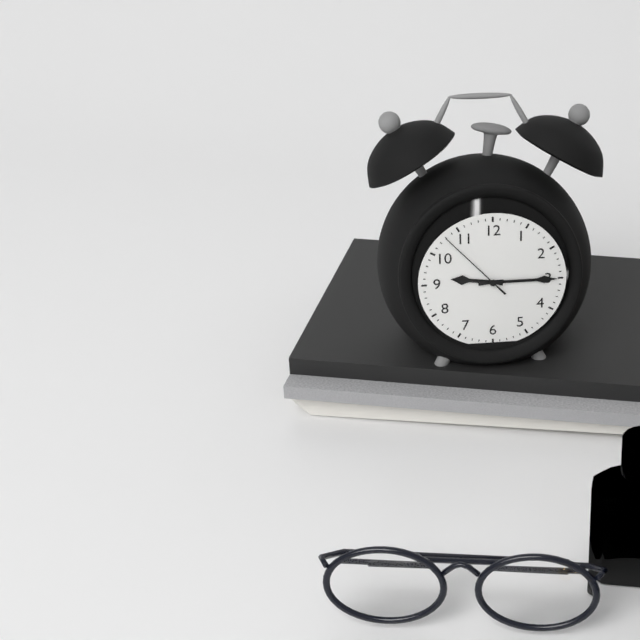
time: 9:15:53
